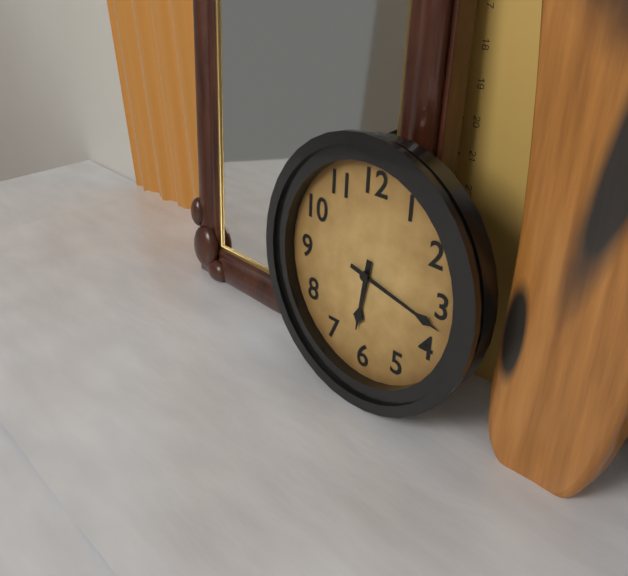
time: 6:17
